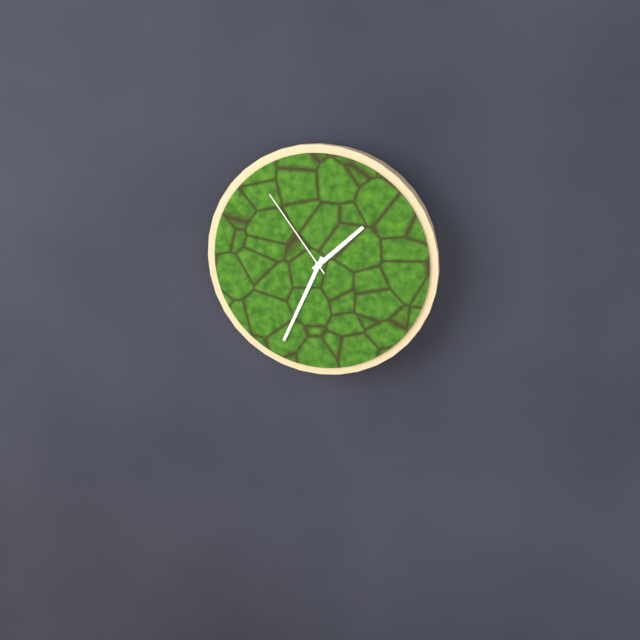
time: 1:34:54
